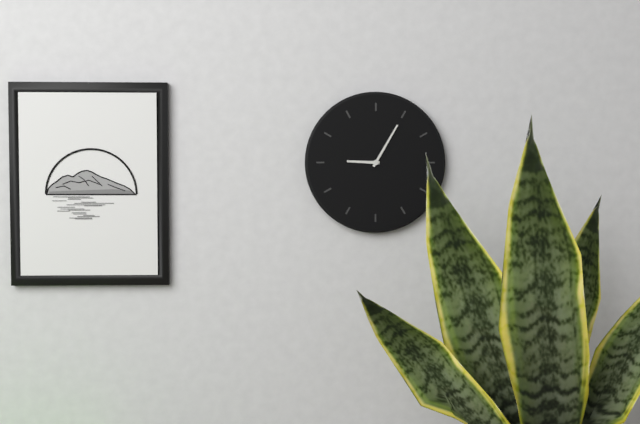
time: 9:05
